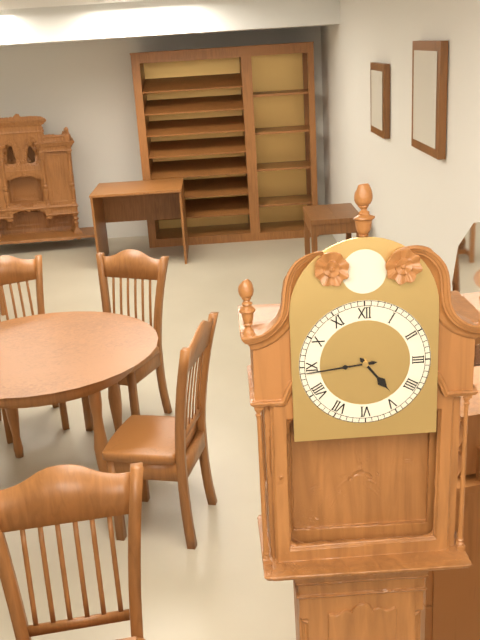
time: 4:44
